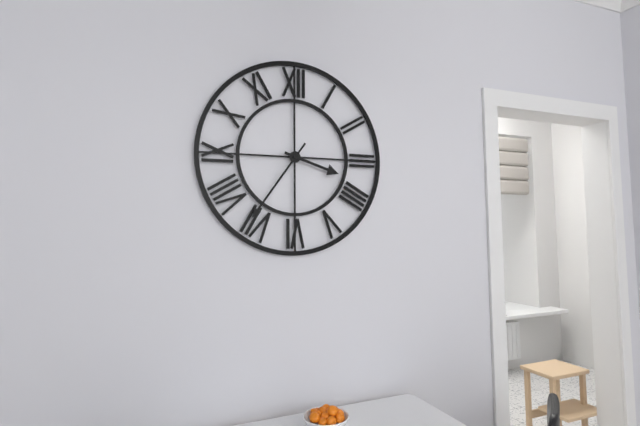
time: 3:36
